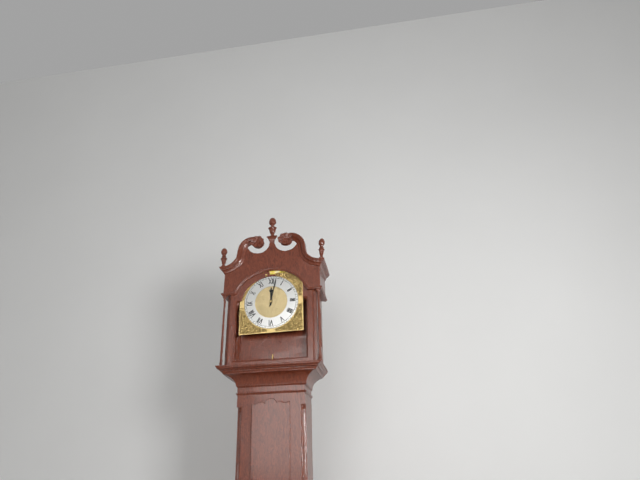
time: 12:02
